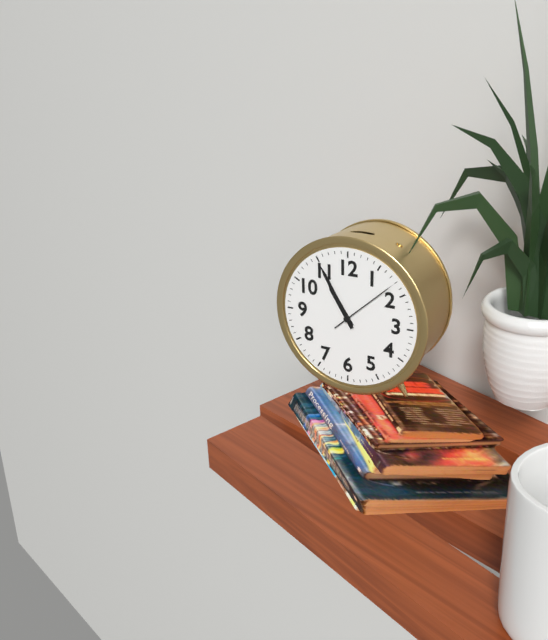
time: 10:55:08
